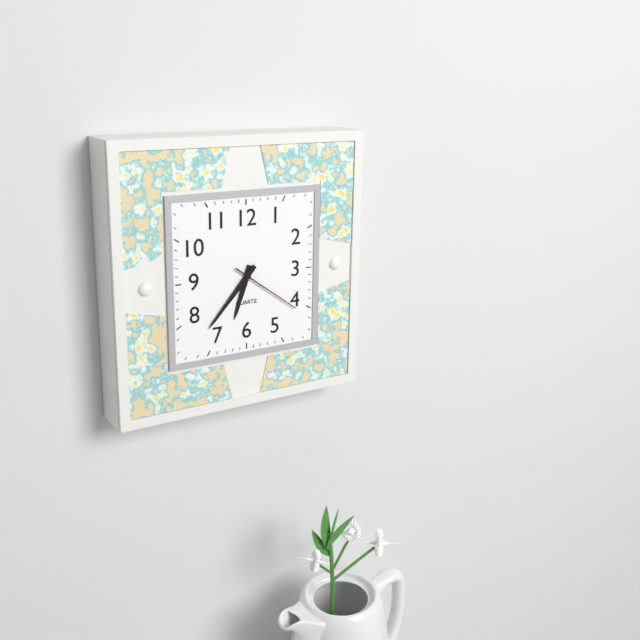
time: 6:37:21
